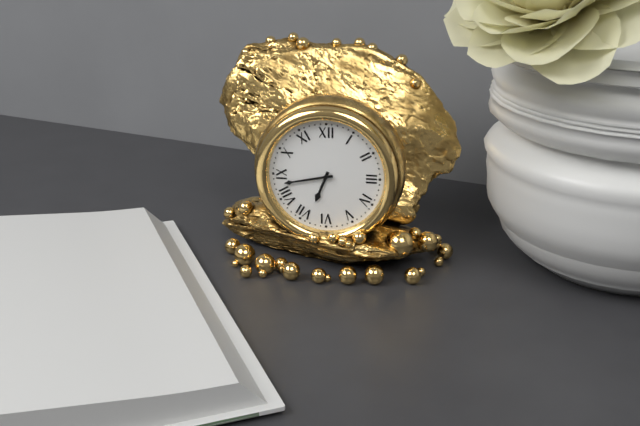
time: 6:43
